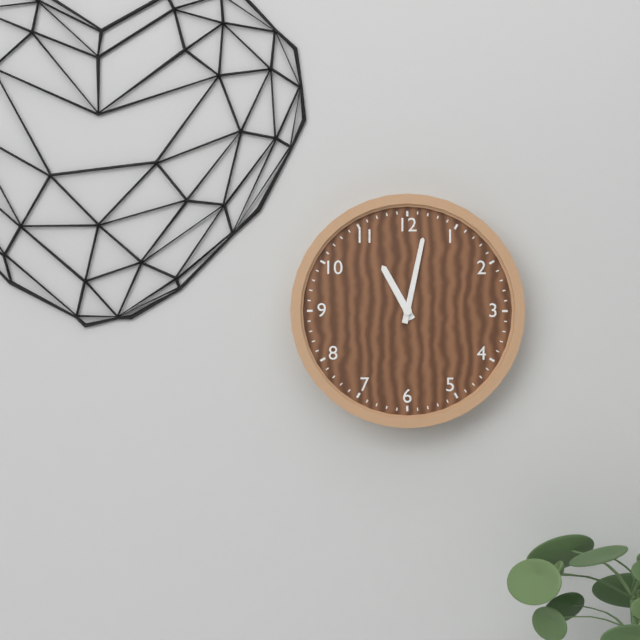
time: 11:02
